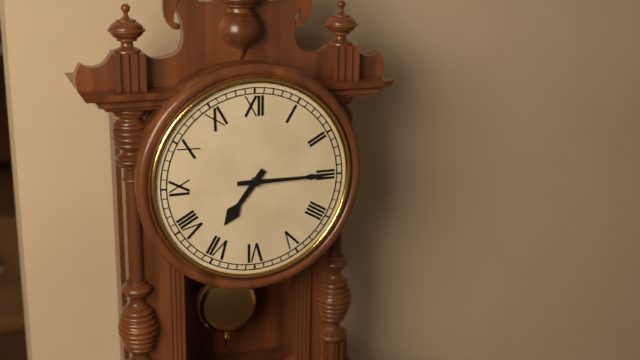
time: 7:15
